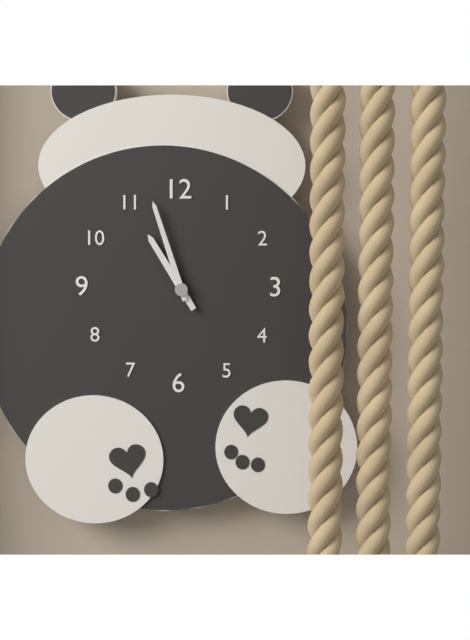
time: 10:57
